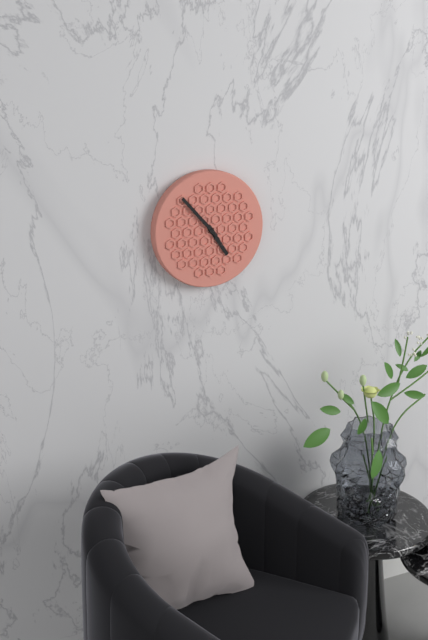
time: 4:53
